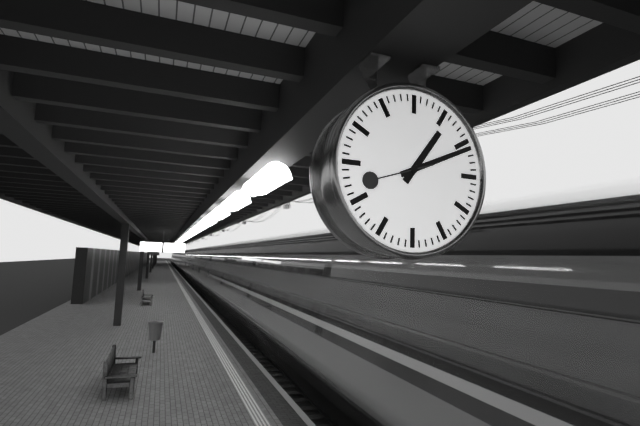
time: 1:11
